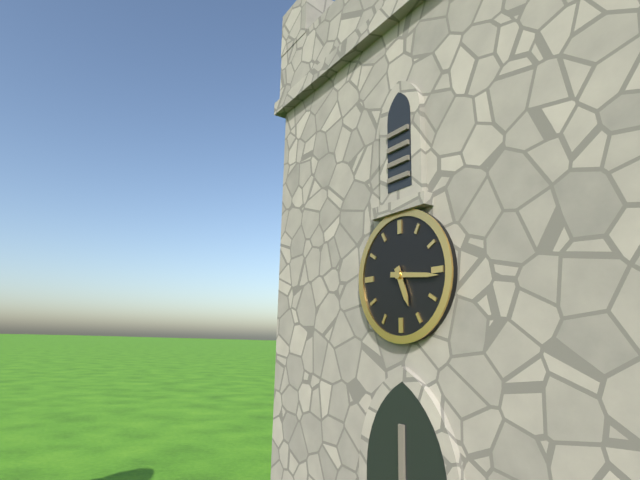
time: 5:16
